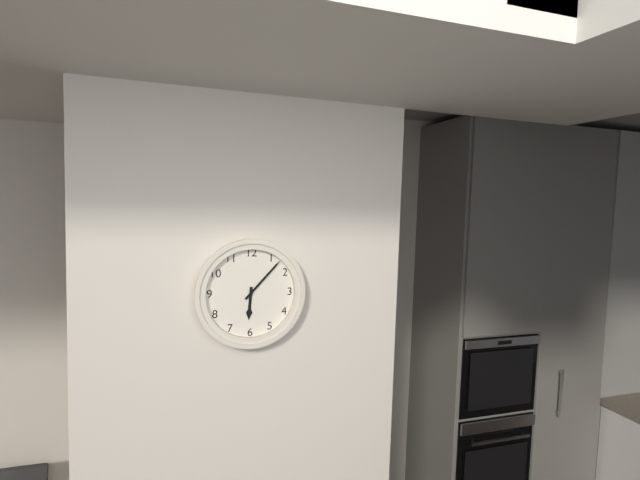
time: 6:07
